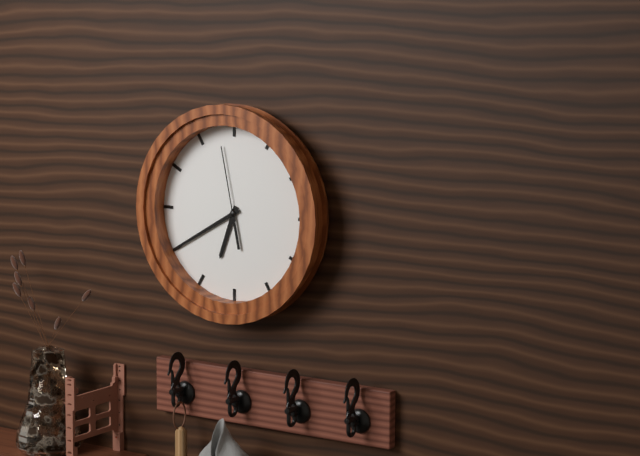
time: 6:40:58
